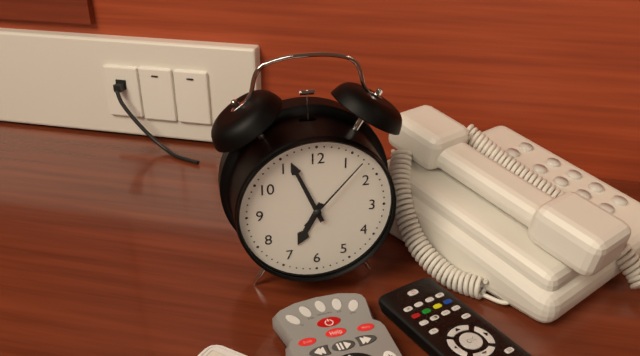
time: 6:56:07
